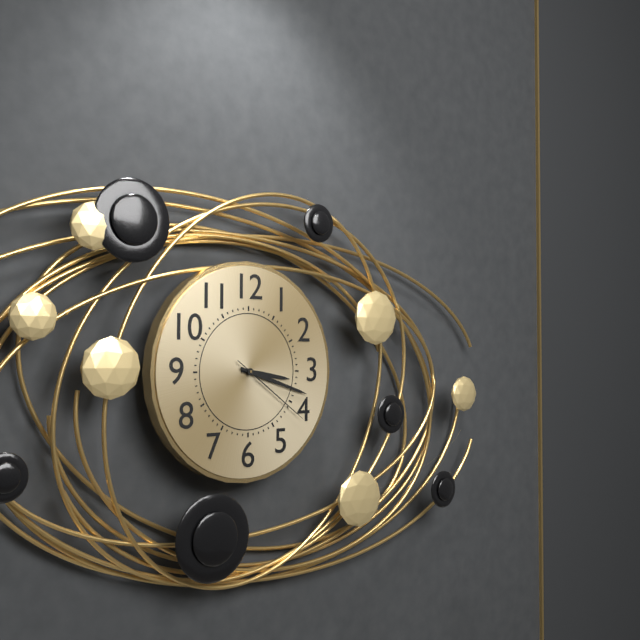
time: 3:18:21
